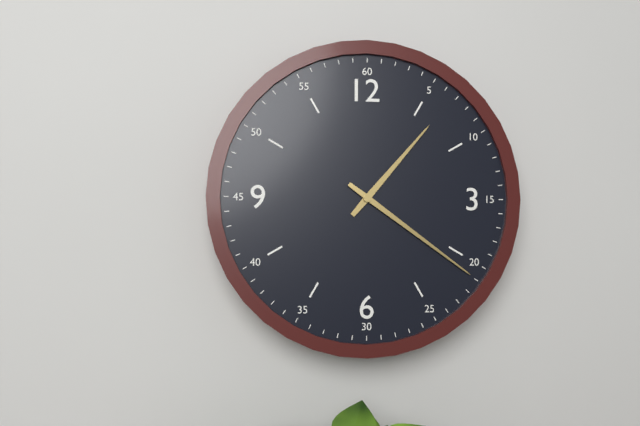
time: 1:21
